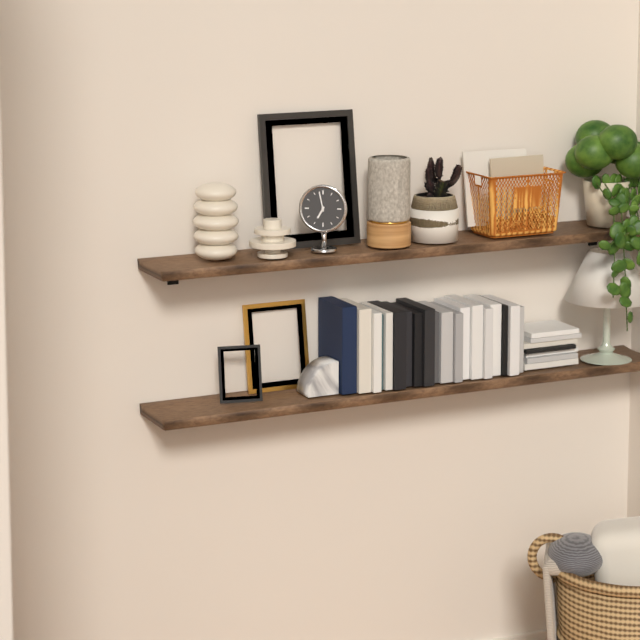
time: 6:58
